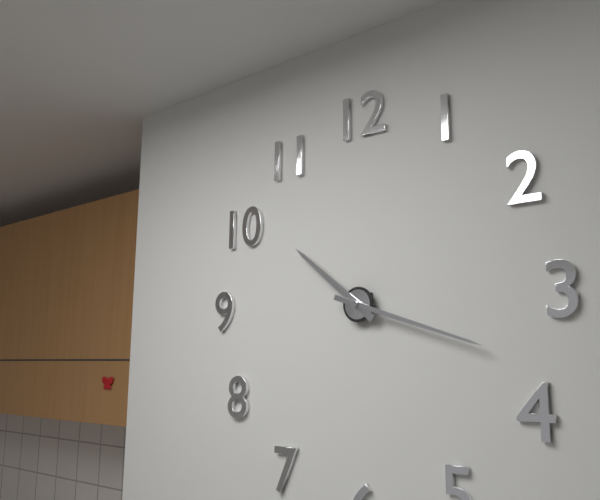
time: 10:18
